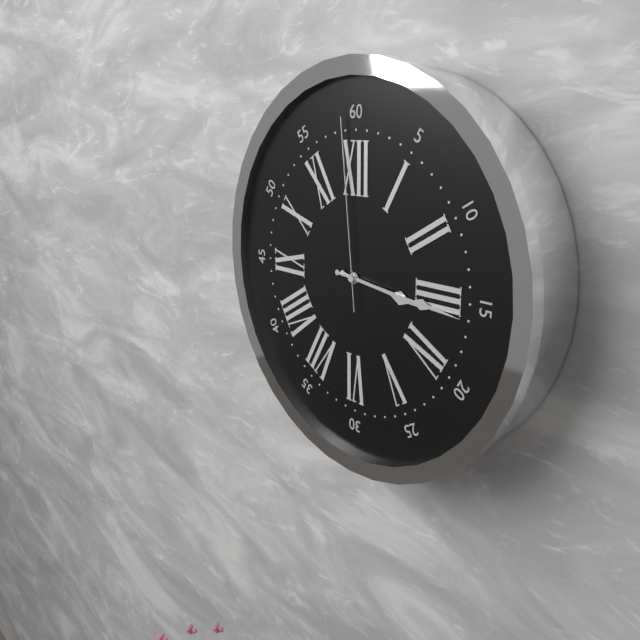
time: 3:16:59
